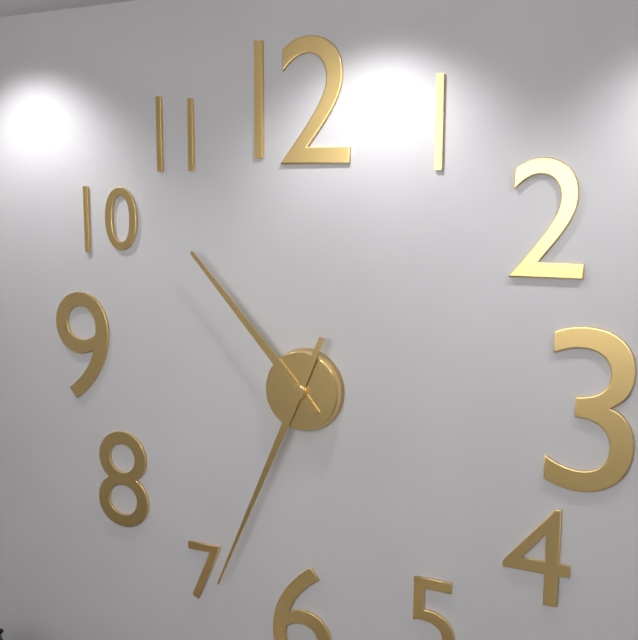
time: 10:34
